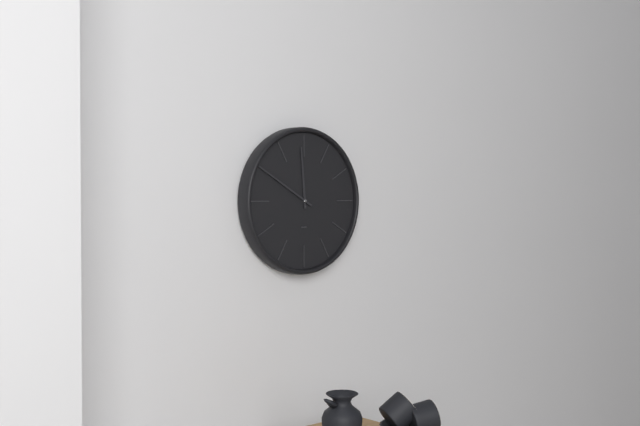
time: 11:50
